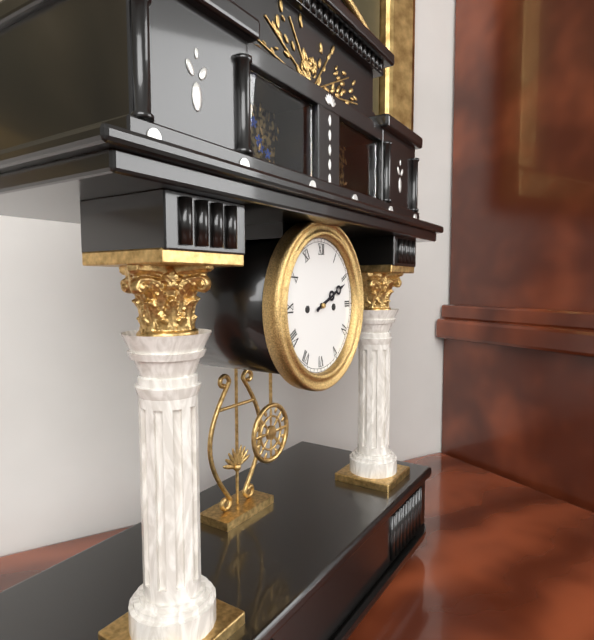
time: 2:11
